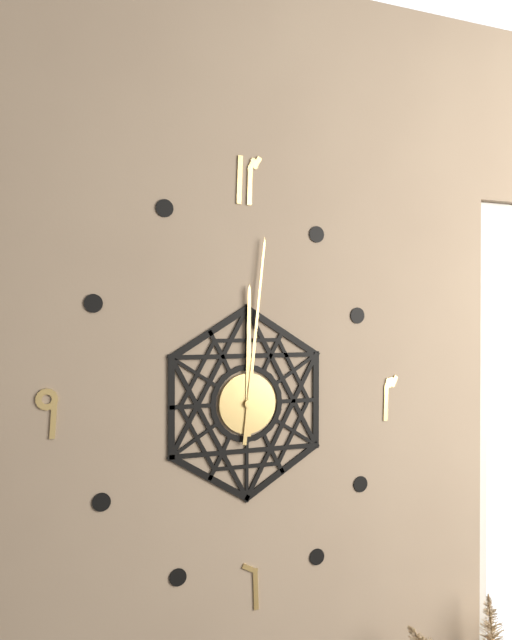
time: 12:01
